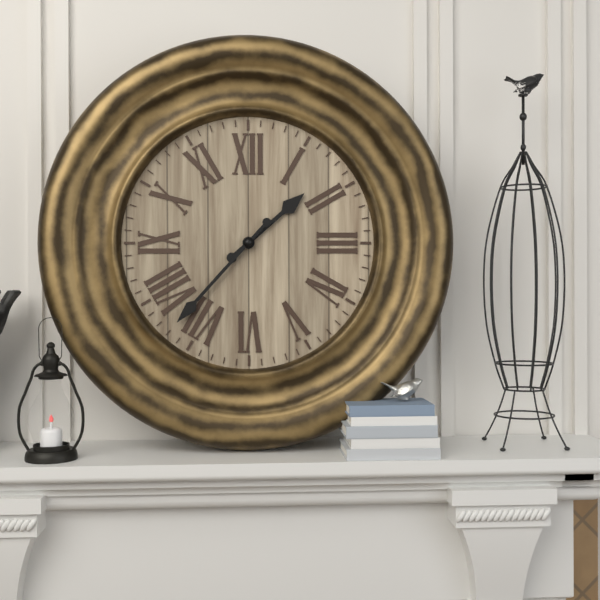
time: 1:37
